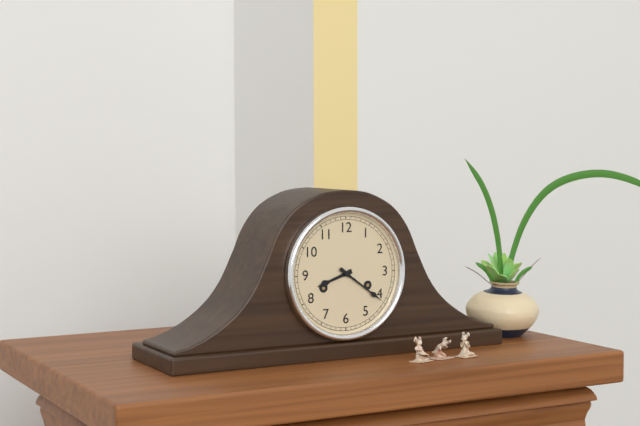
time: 8:21
